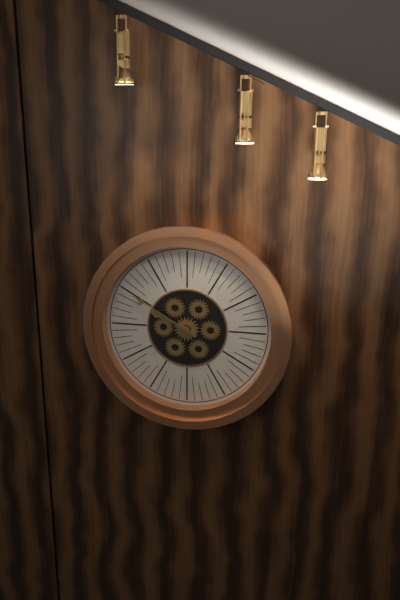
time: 9:50
